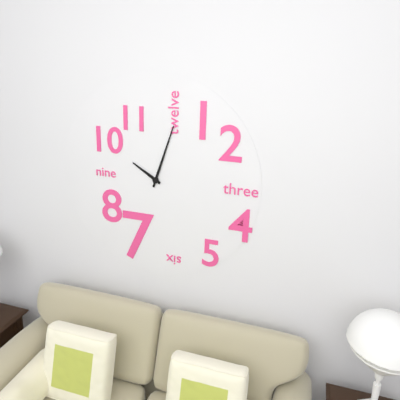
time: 10:03
